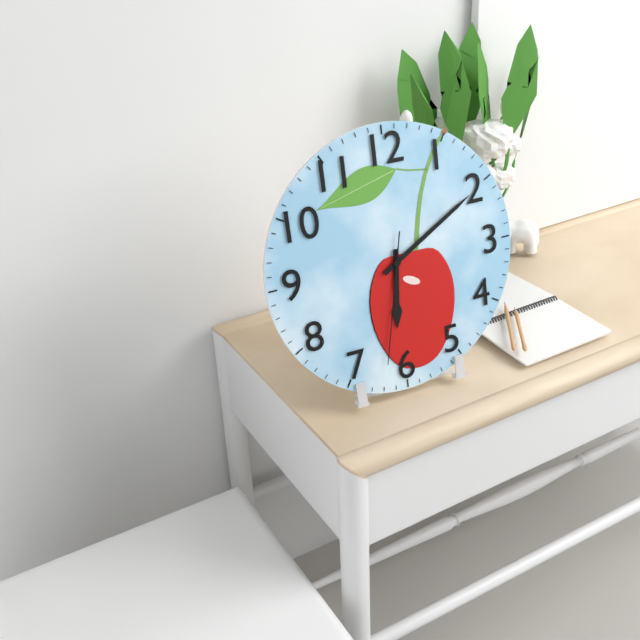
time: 6:10:32
